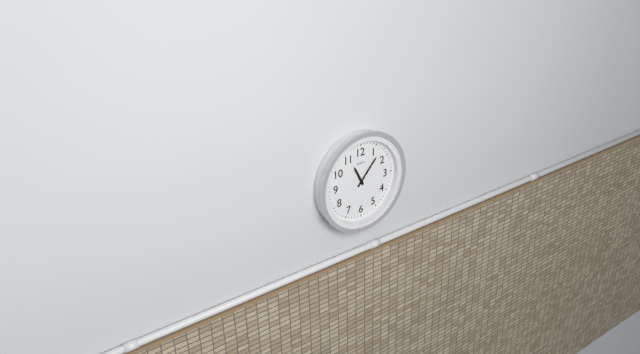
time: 11:07
